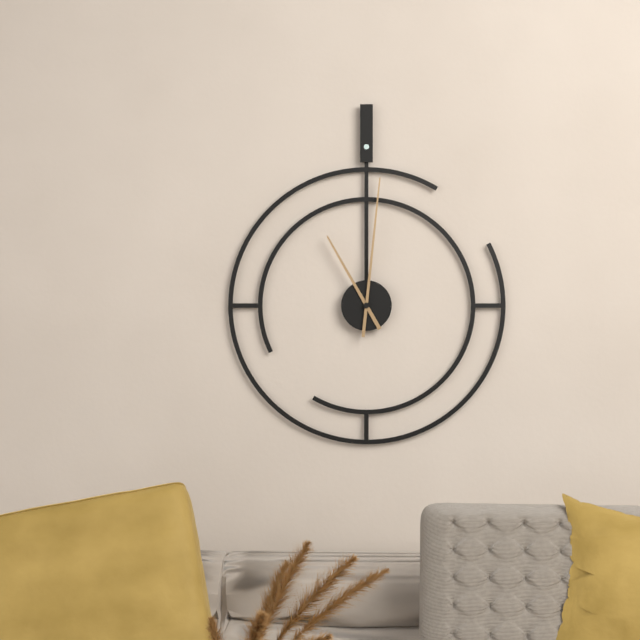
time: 11:01
